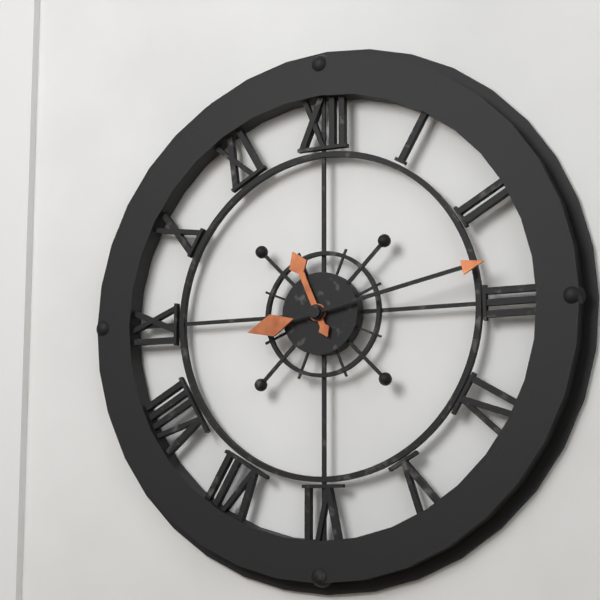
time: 11:13
